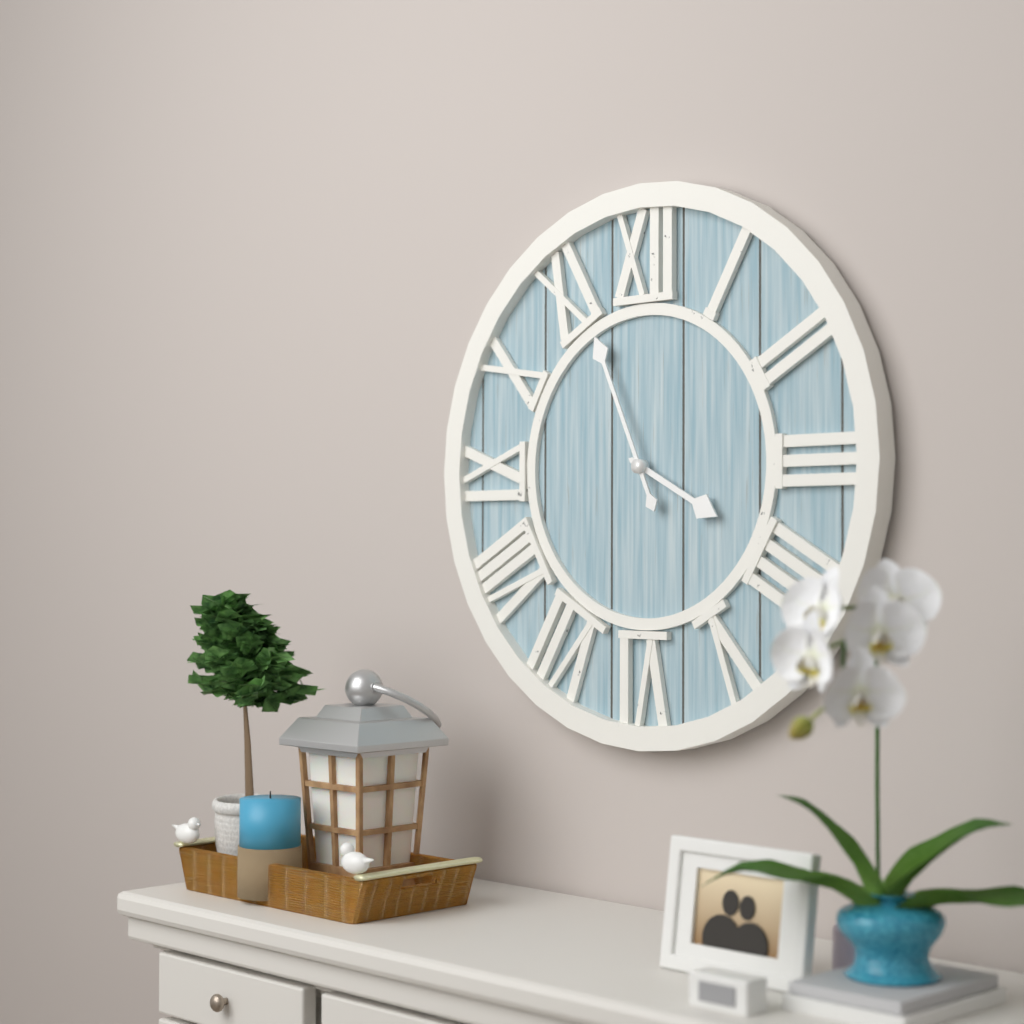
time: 3:56
